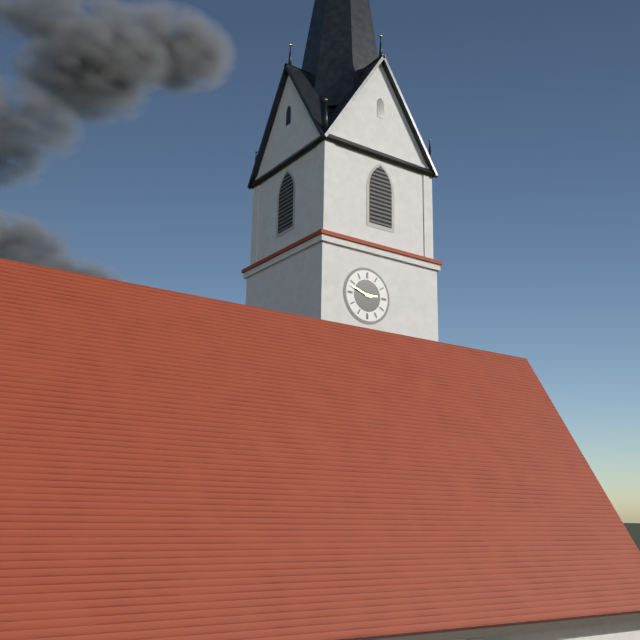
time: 2:48
